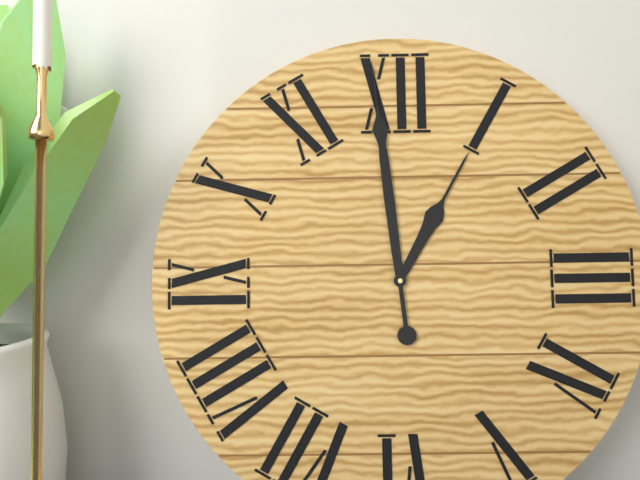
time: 12:59
